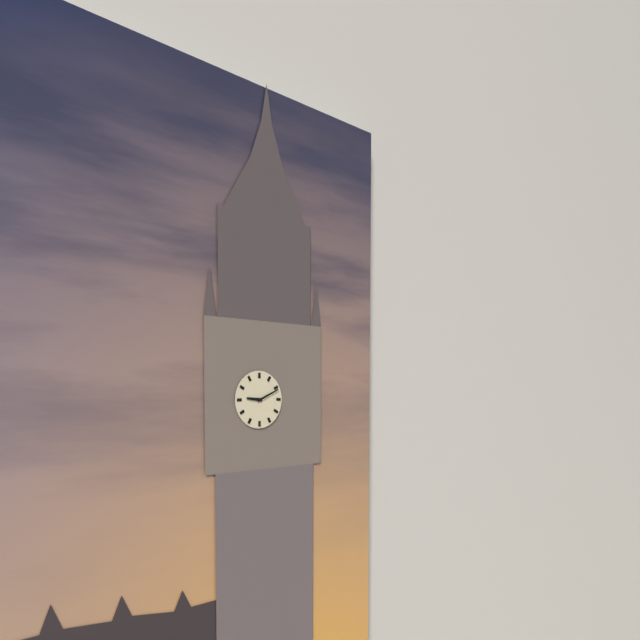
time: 9:11
